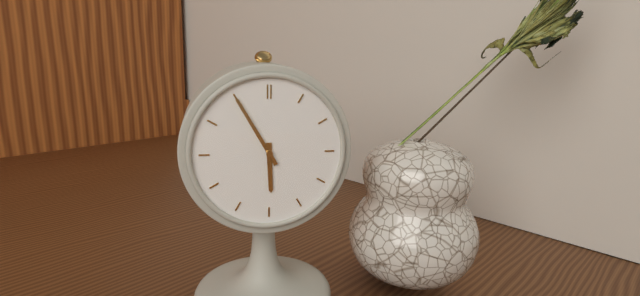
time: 5:55
